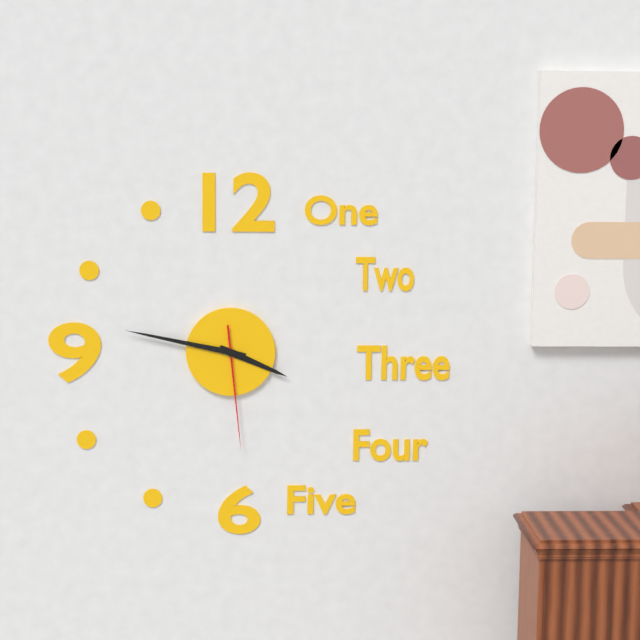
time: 3:47:29
